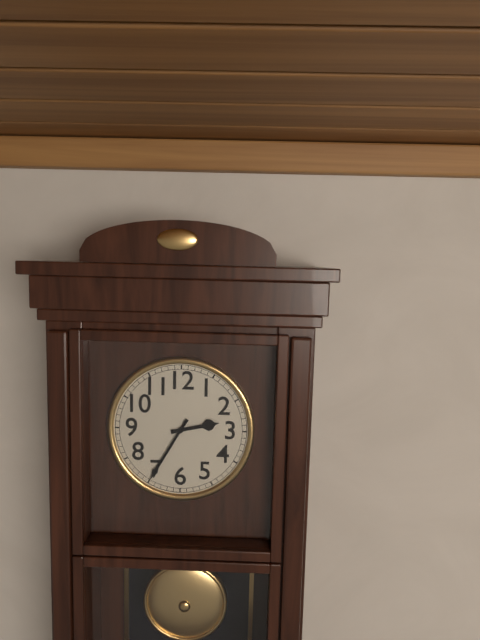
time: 2:35
